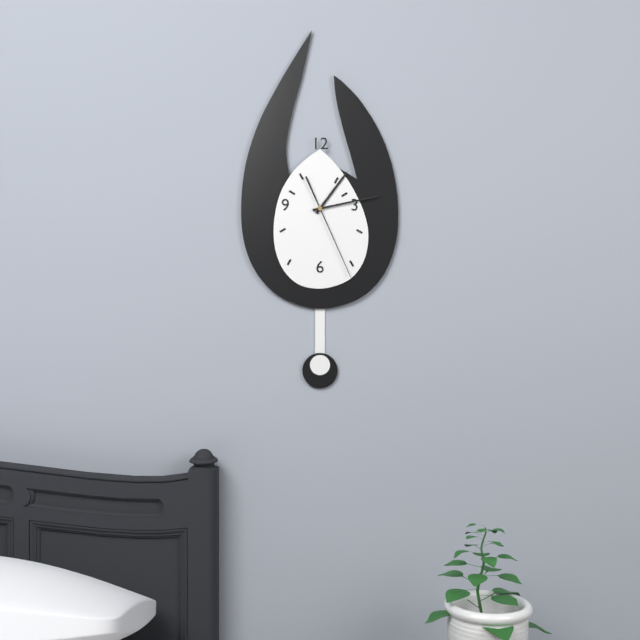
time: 1:13:26
